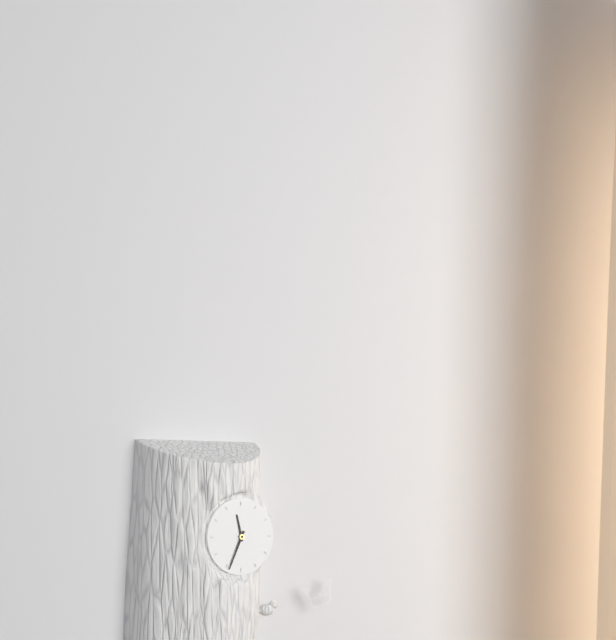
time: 11:34
